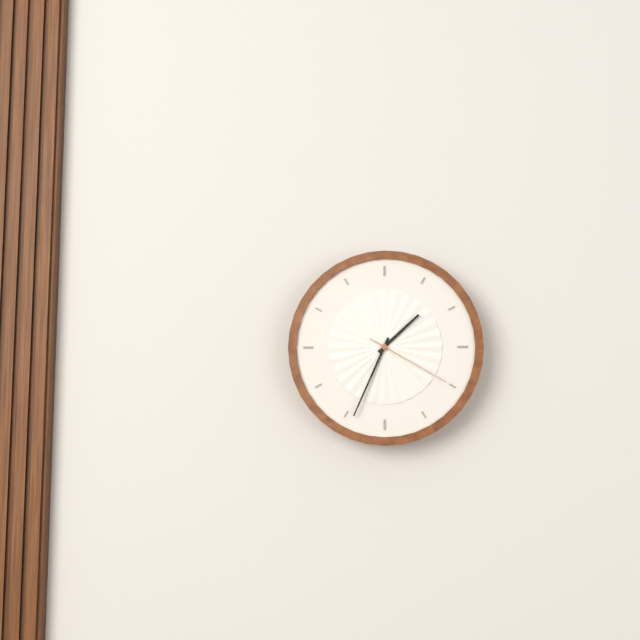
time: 1:34:20
